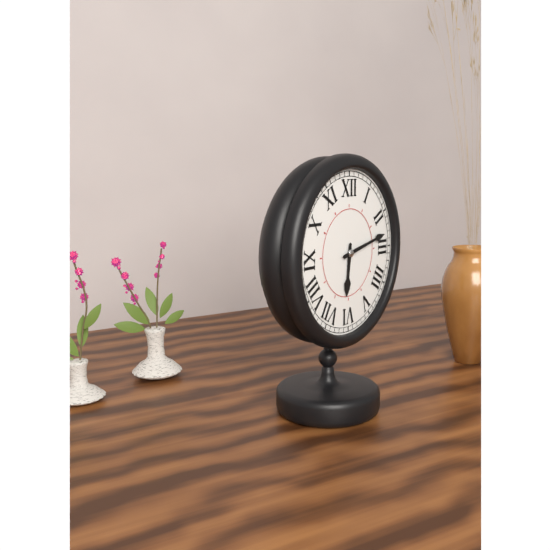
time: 6:13
